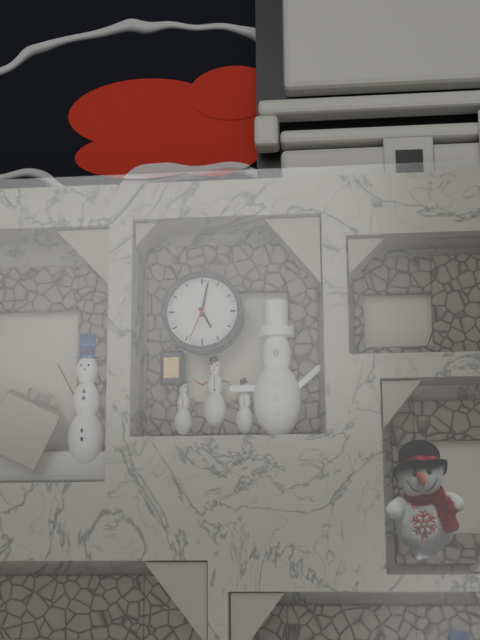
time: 5:02
